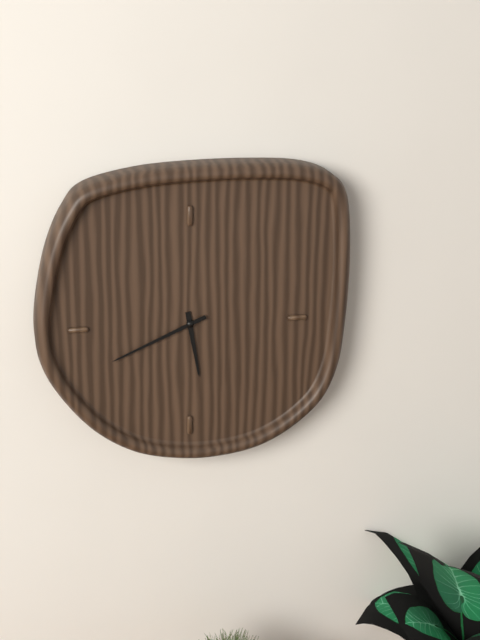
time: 5:41
